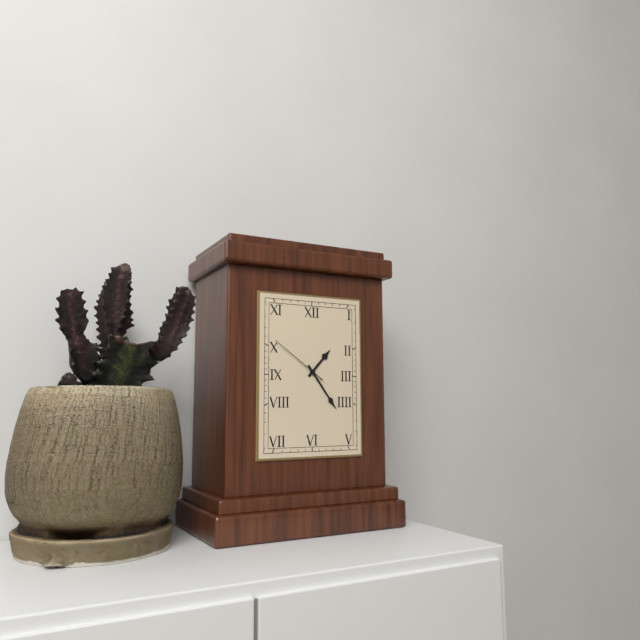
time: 1:24
